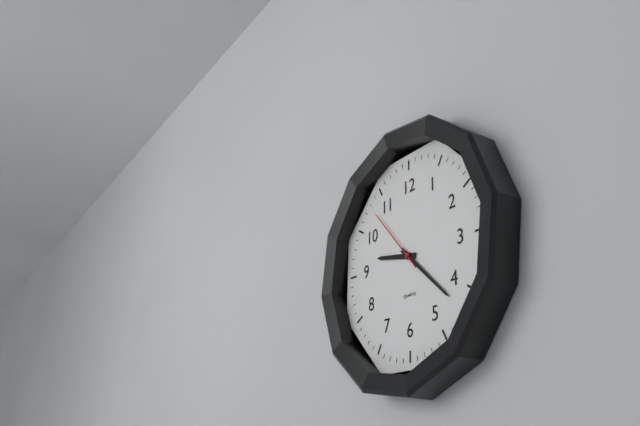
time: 9:22:53
